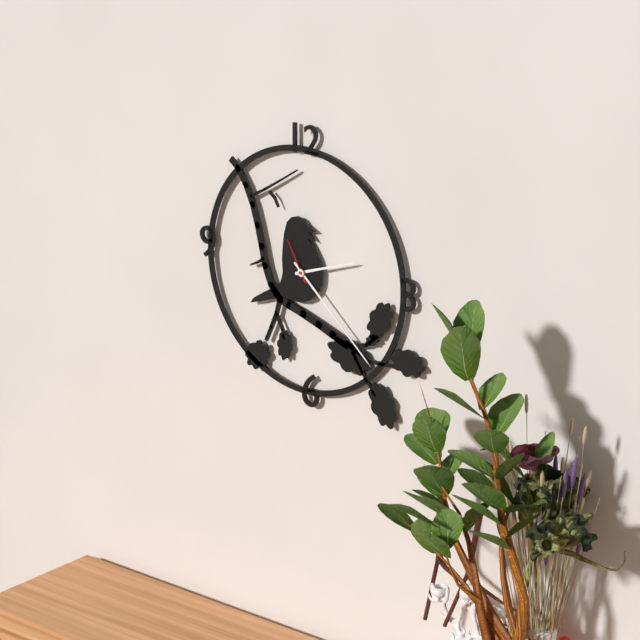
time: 2:22
